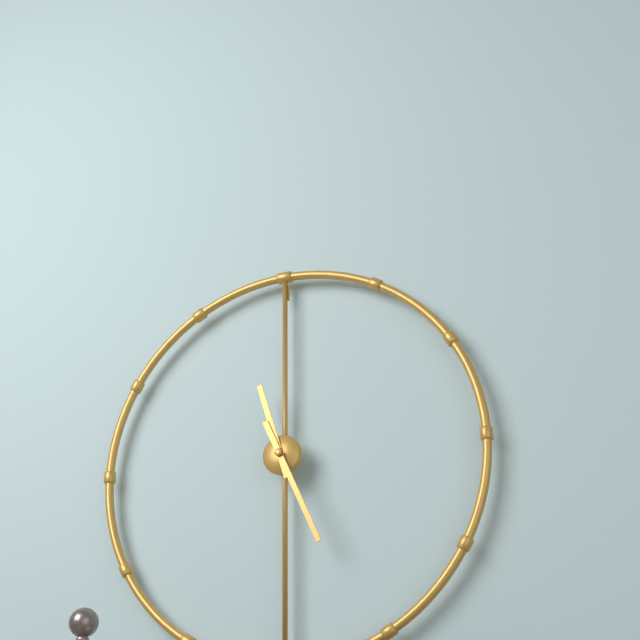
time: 11:26
